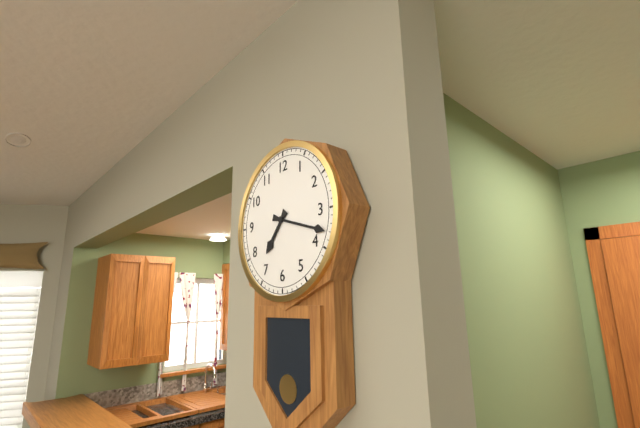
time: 7:18
